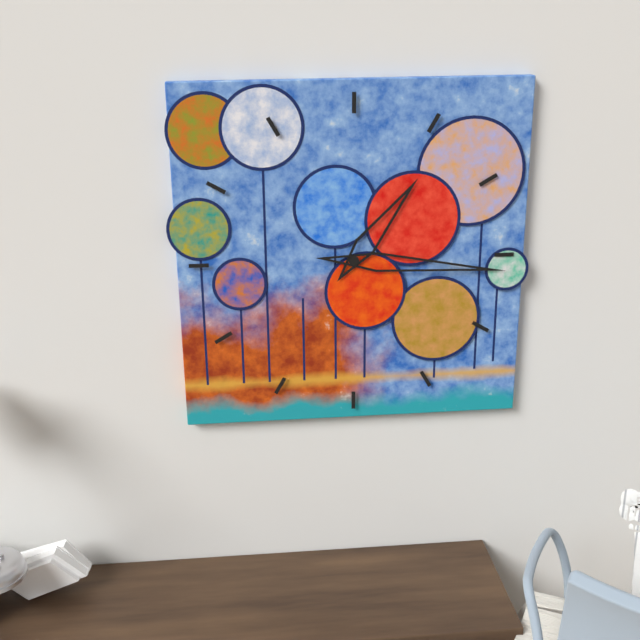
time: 1:16
